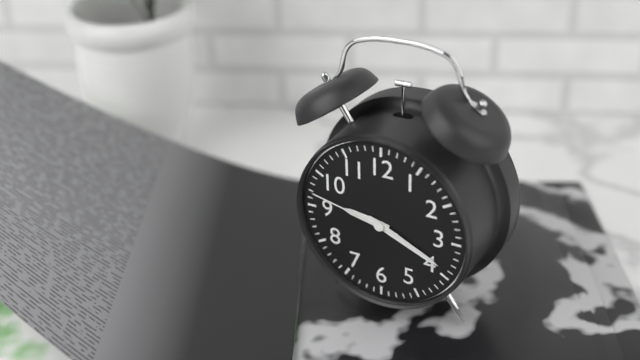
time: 9:19:47
